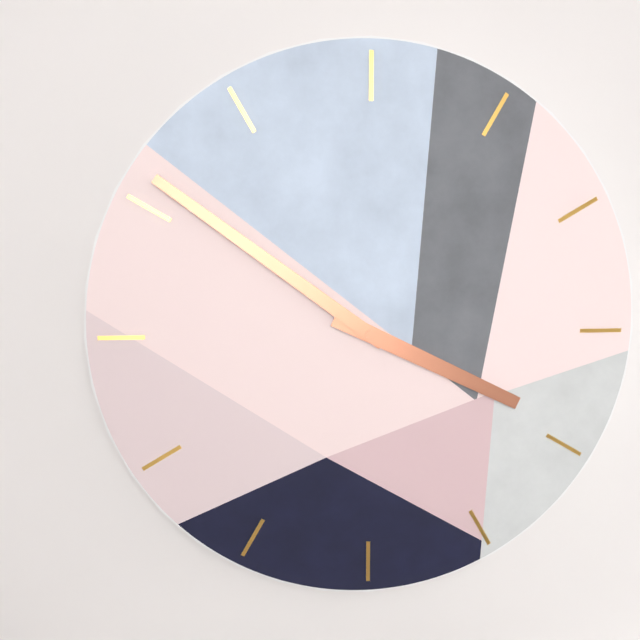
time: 3:51
